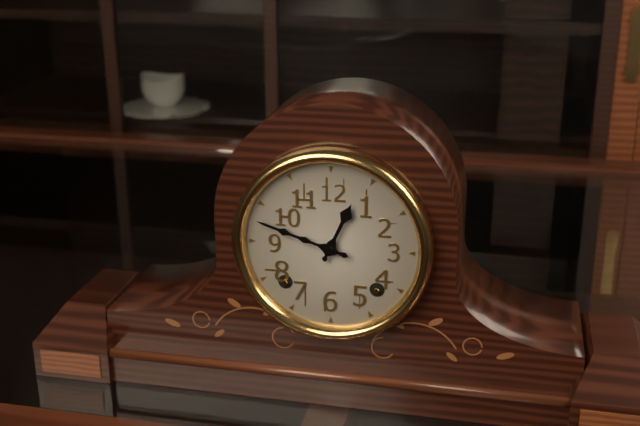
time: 12:48
